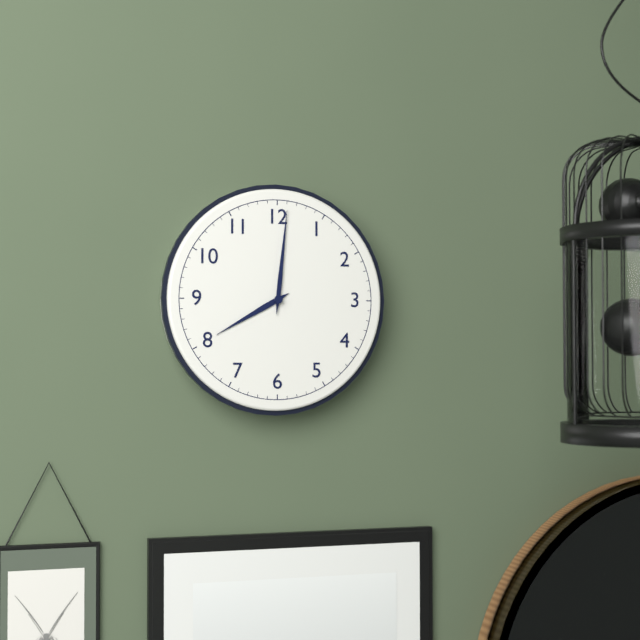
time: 8:01
